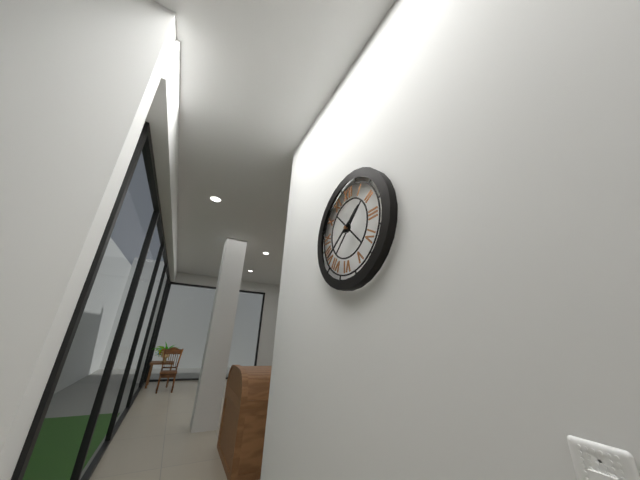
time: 1:39
